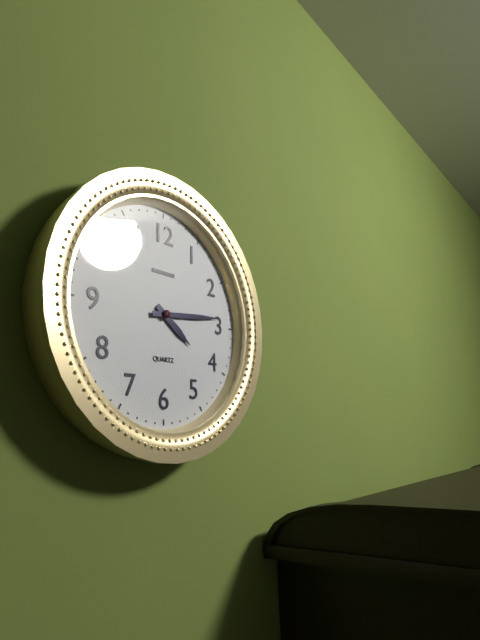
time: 4:14
